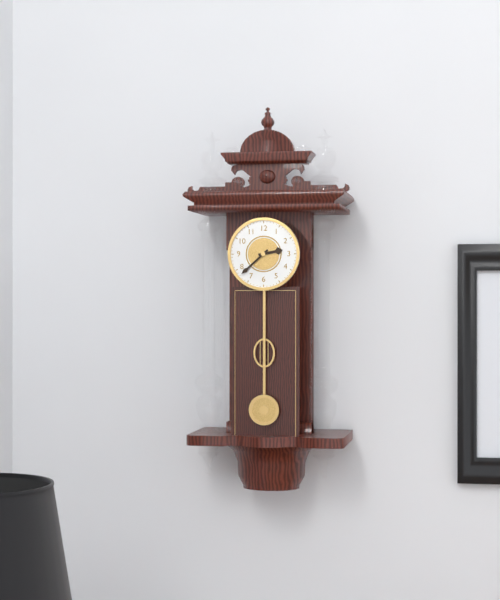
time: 2:38
